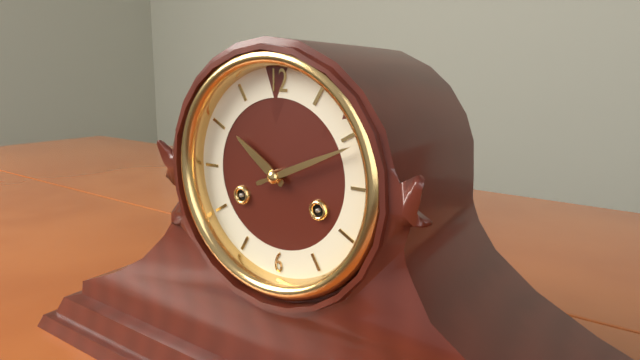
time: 10:11
